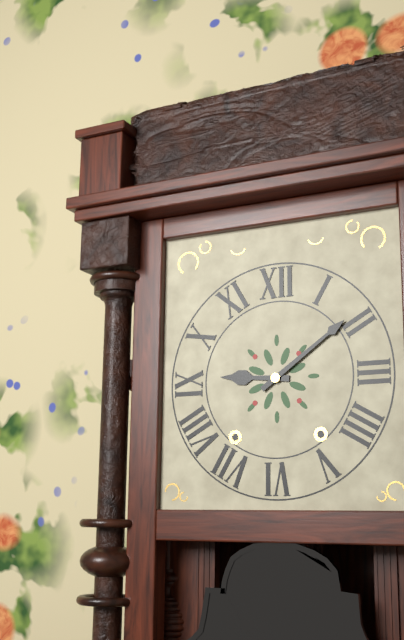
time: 9:09
